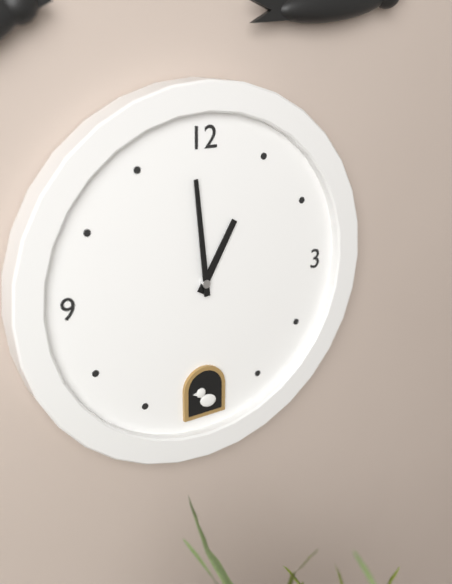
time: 12:59
